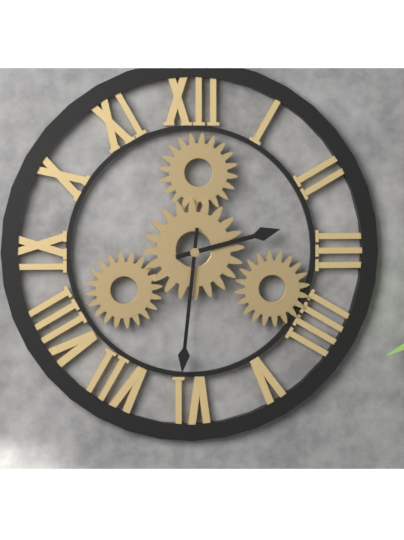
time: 2:31
